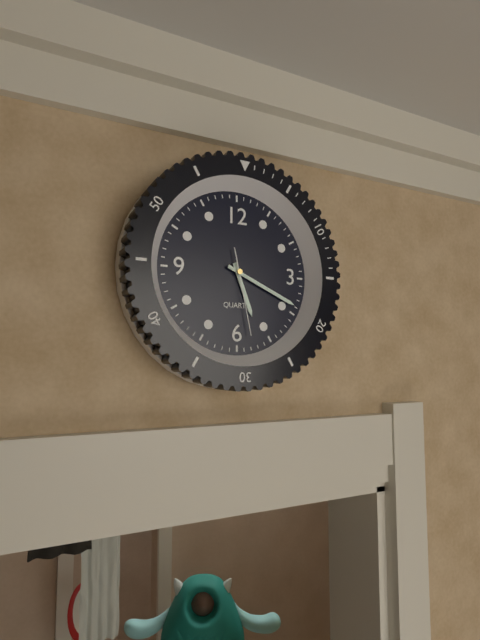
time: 5:19:28
